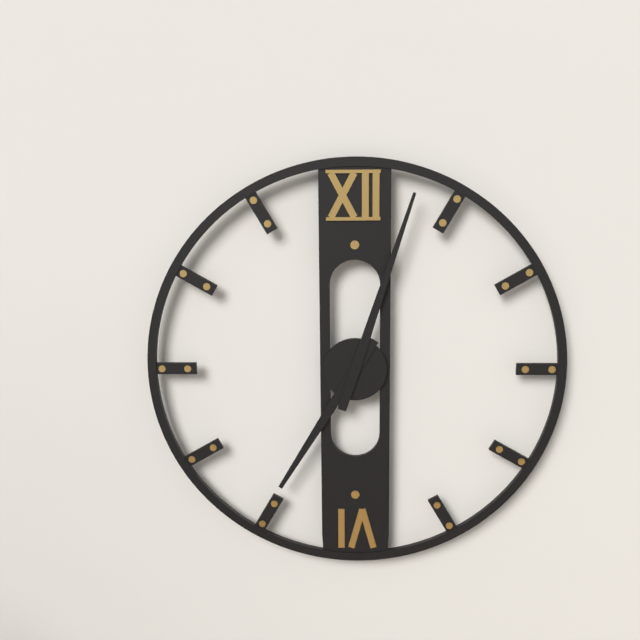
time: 7:03
